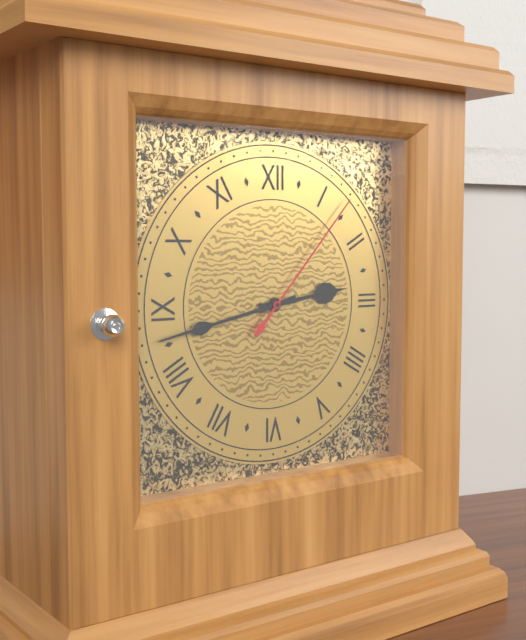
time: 2:43:07
